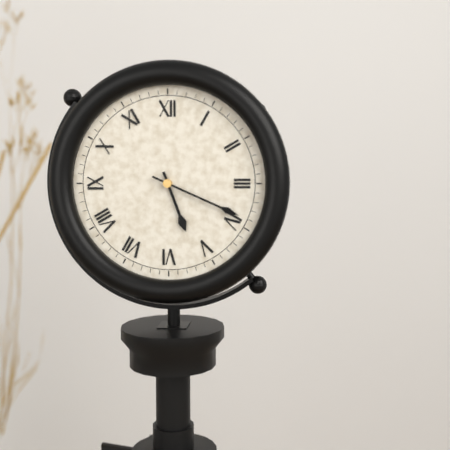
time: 5:19
